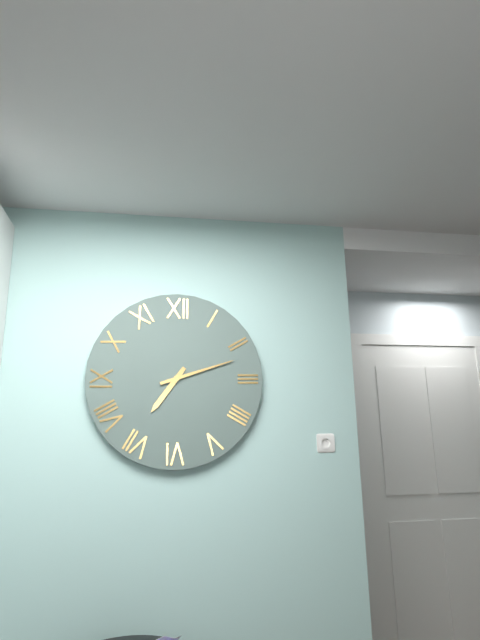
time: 7:12
